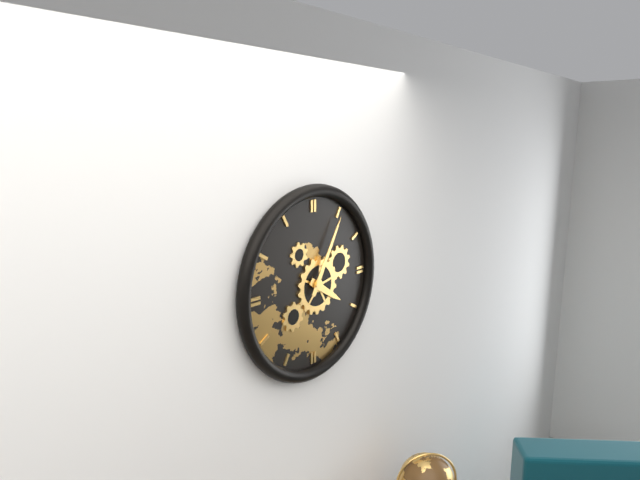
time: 4:05
